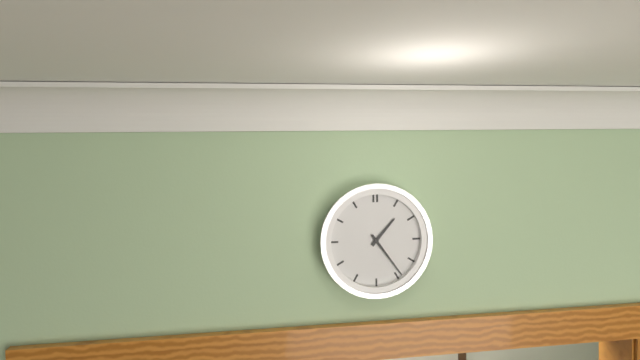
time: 1:24
